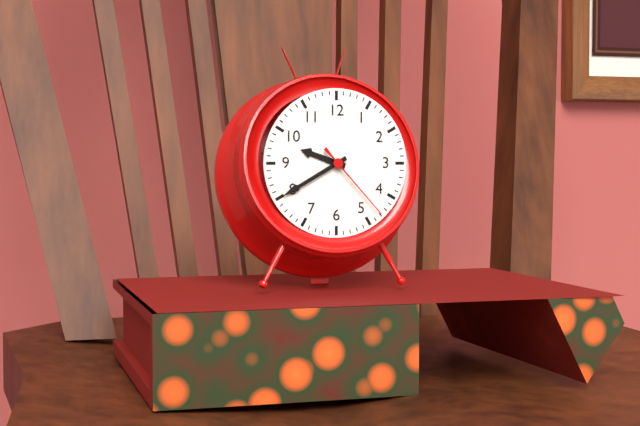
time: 9:40:23
